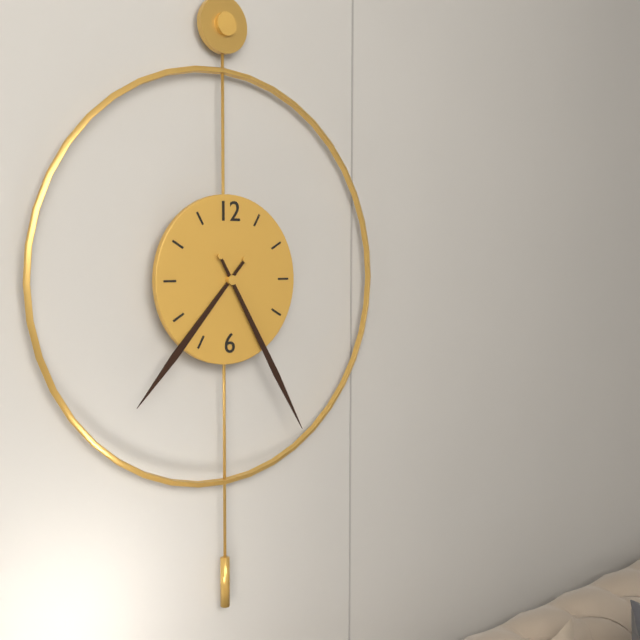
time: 7:25
